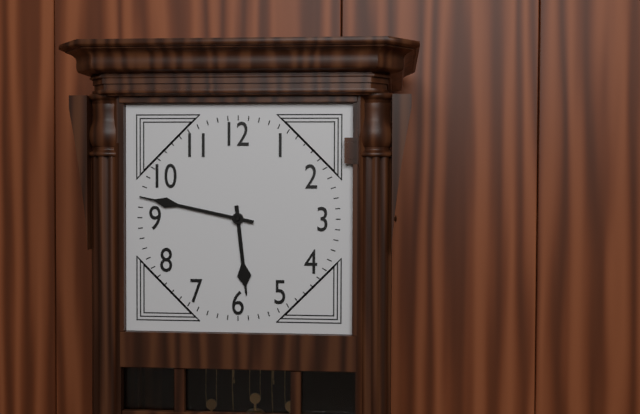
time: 5:47
